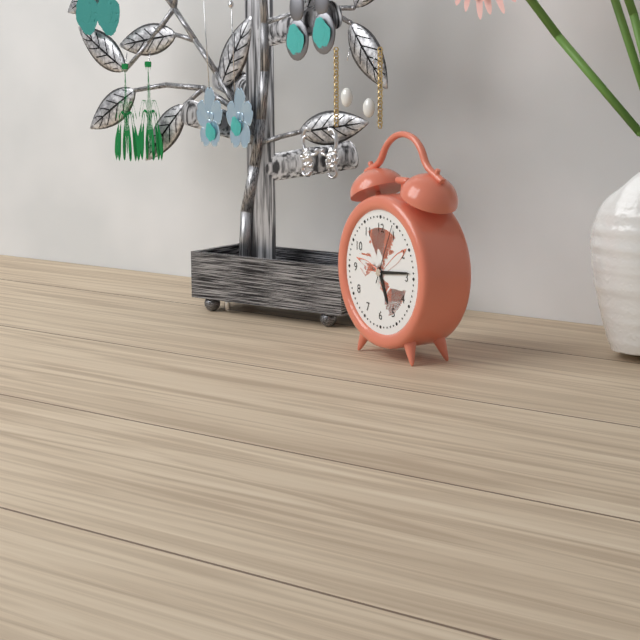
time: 5:14:04
